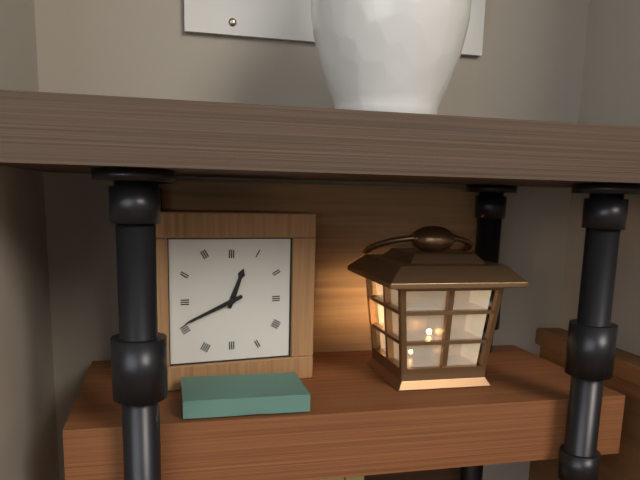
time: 12:41
